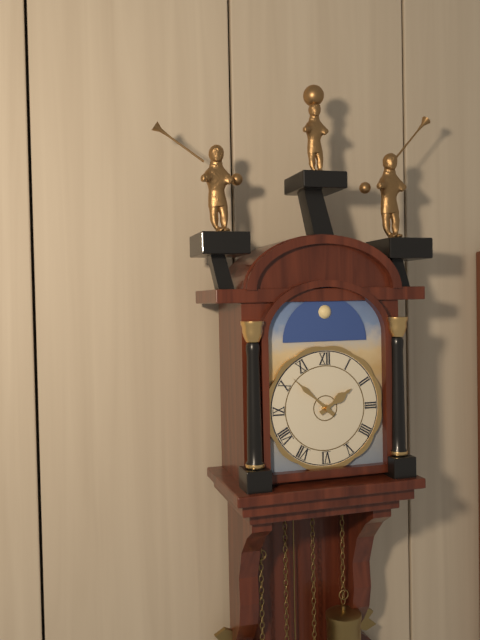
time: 1:52
